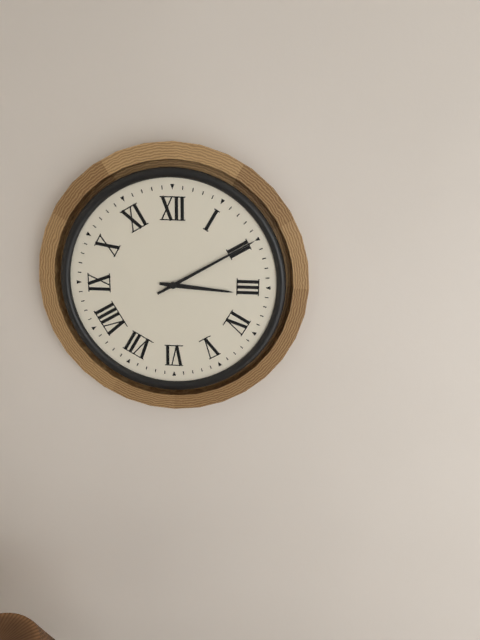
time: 3:10
